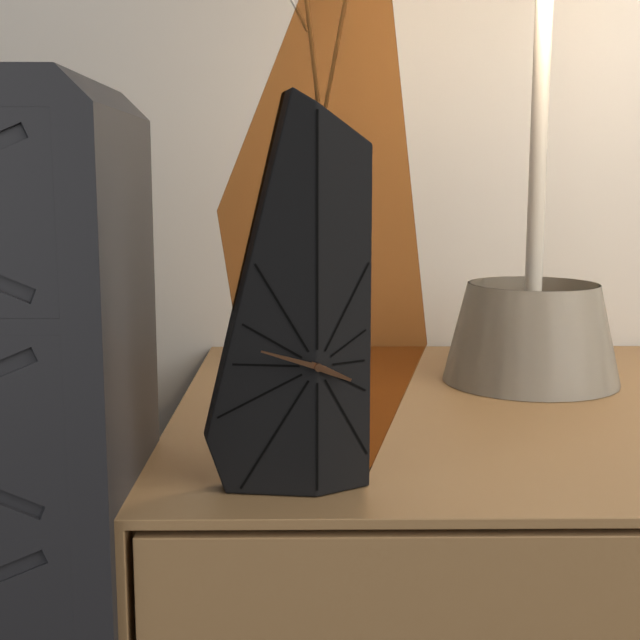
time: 3:48
